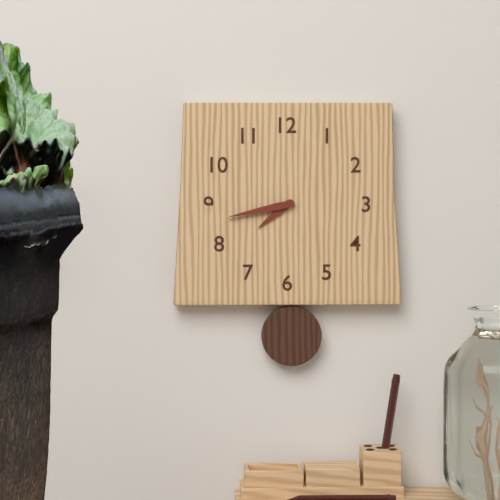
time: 7:43
